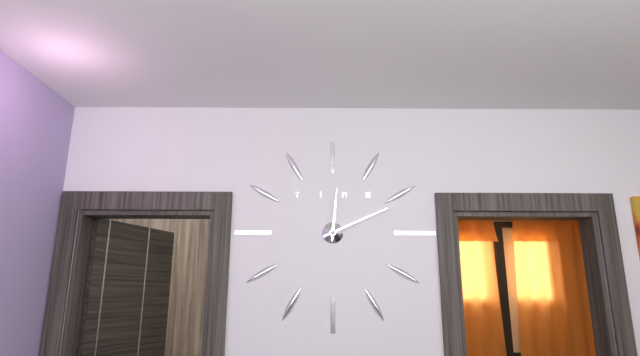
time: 12:11
